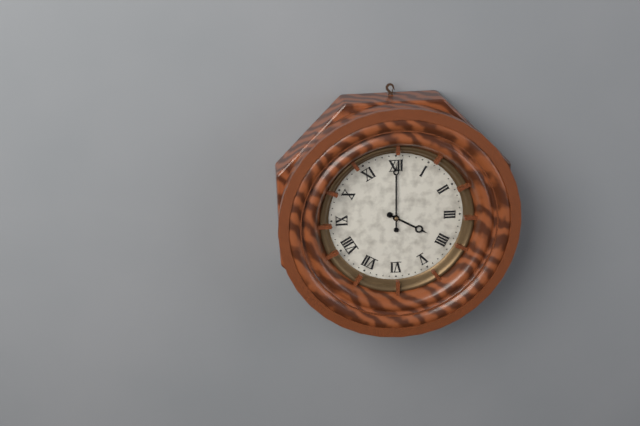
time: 4:00
